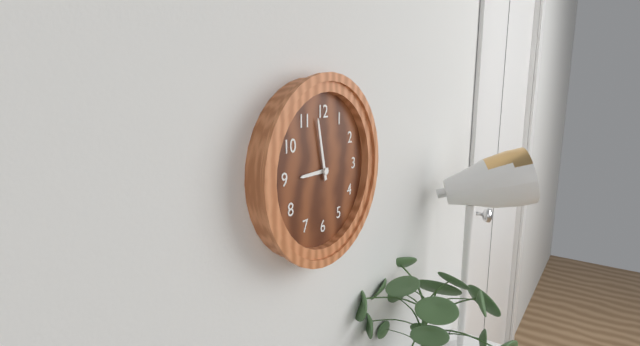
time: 8:58
